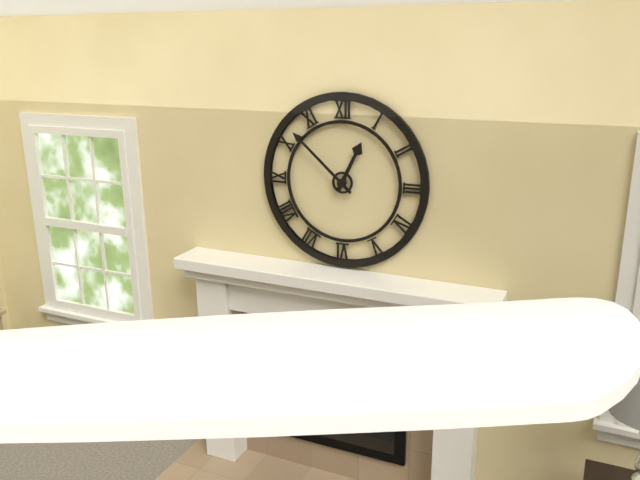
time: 12:52
